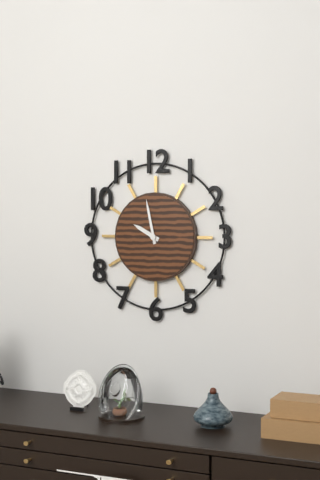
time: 9:58
